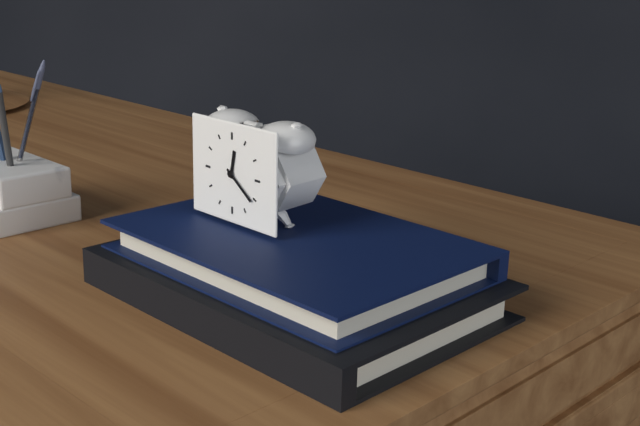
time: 12:21
